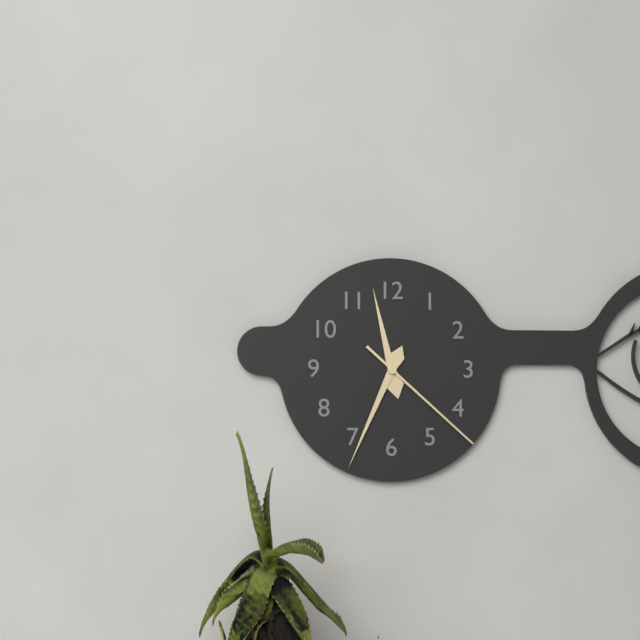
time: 11:34:22
